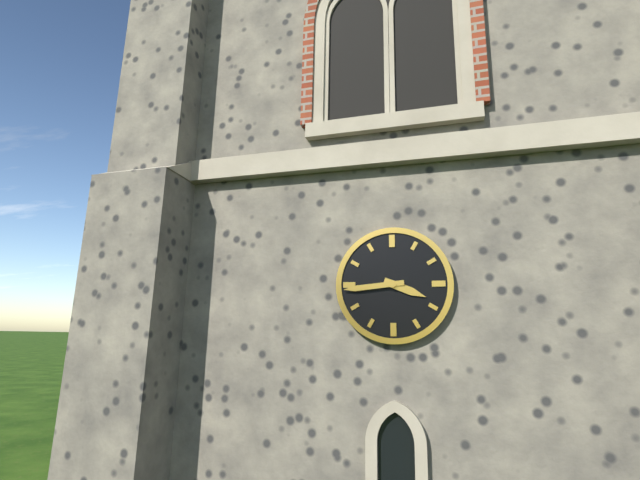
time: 3:44
